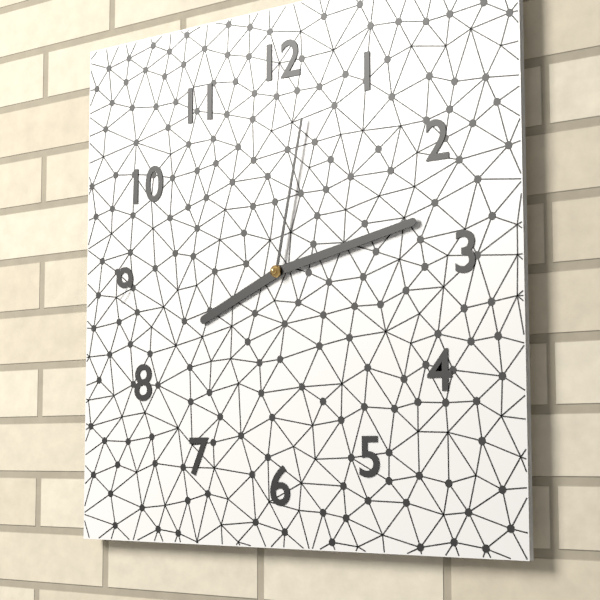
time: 8:13:02
